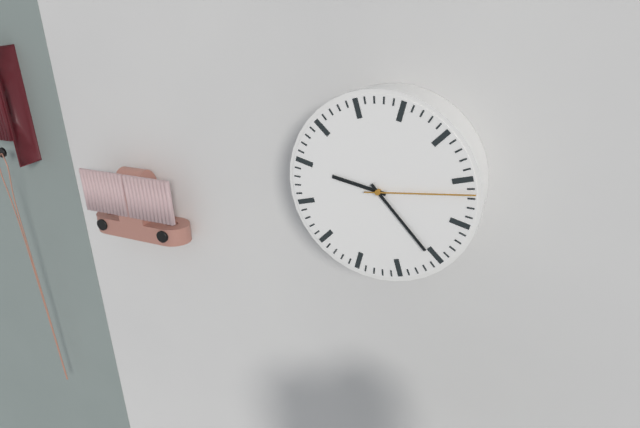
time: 9:23:14
